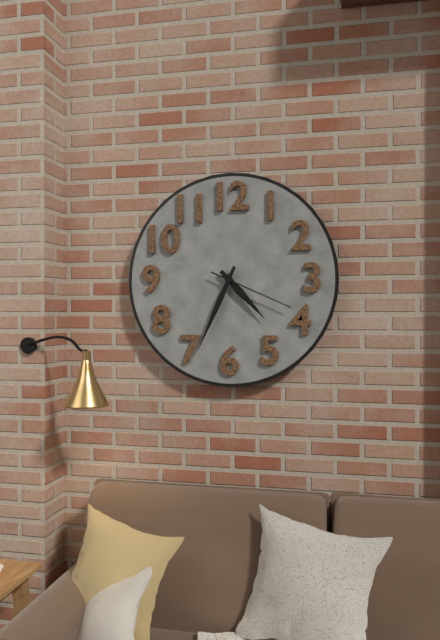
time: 4:34:19
